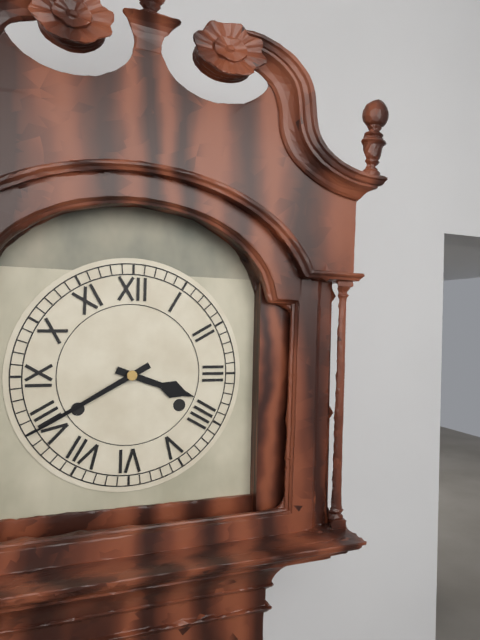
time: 3:40
